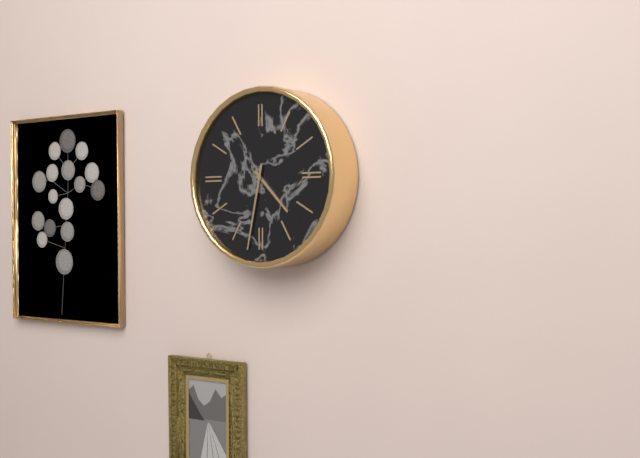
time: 4:32
